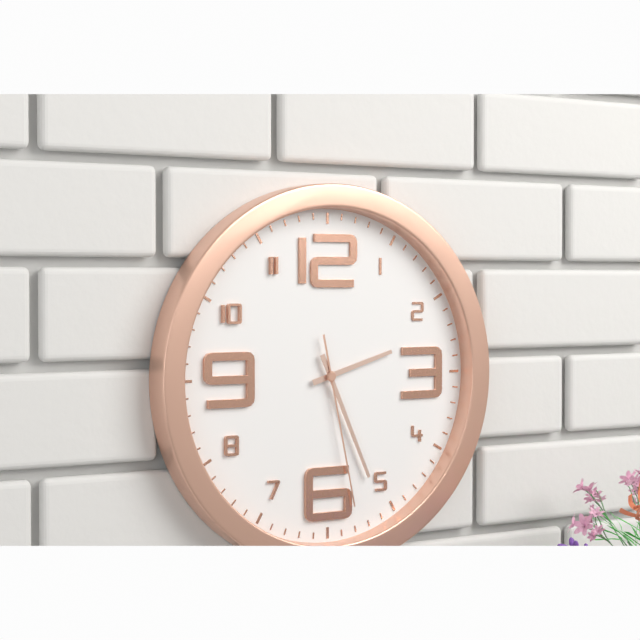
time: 2:26:28
